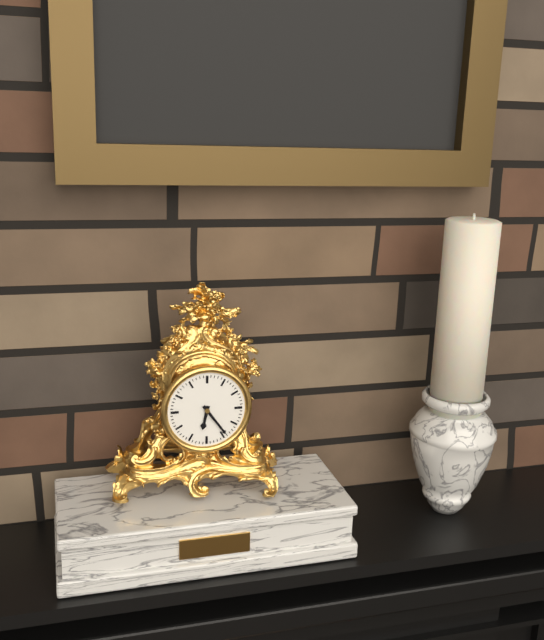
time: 6:24
